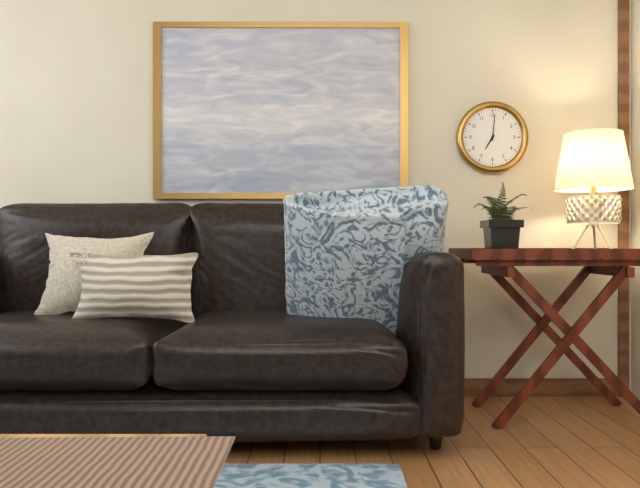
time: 7:01
